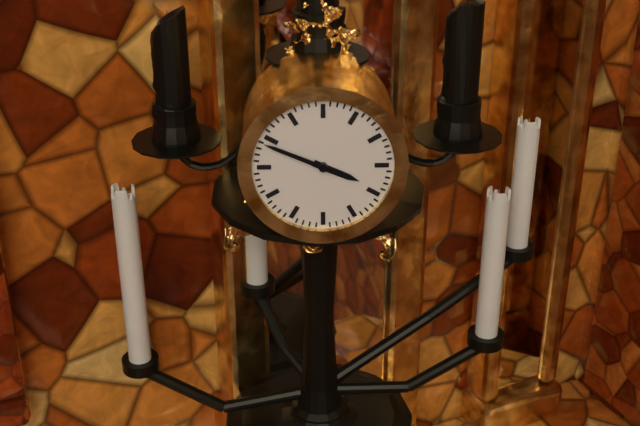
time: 3:49
